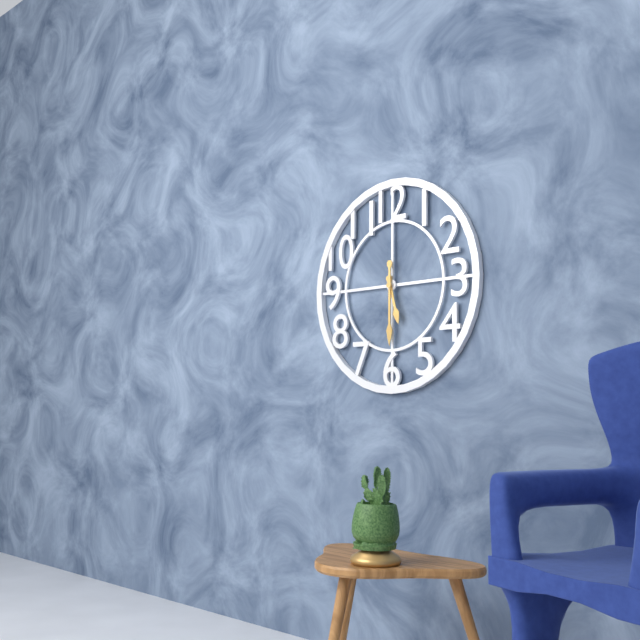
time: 5:30
